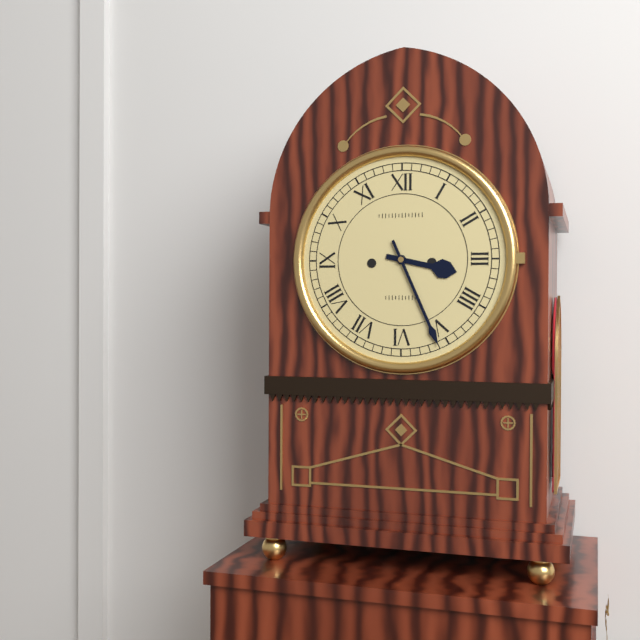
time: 3:26
